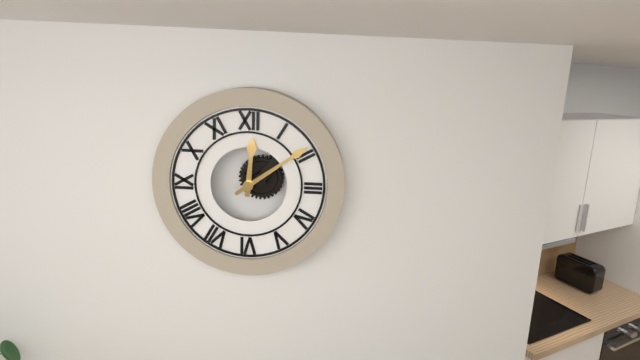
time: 12:09
